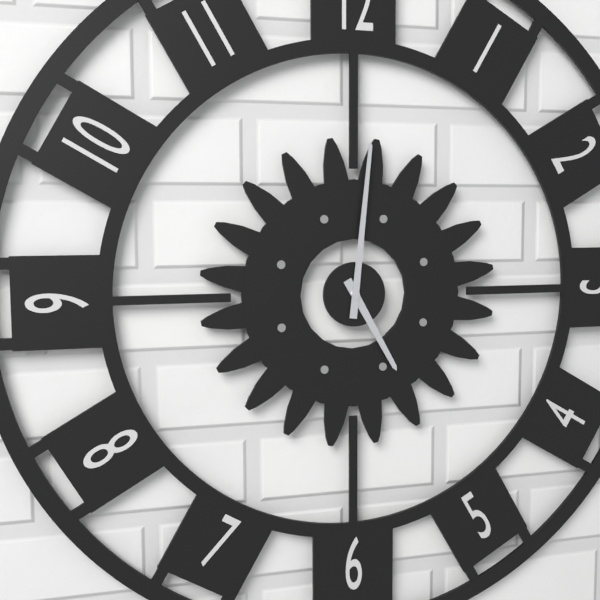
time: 5:01
